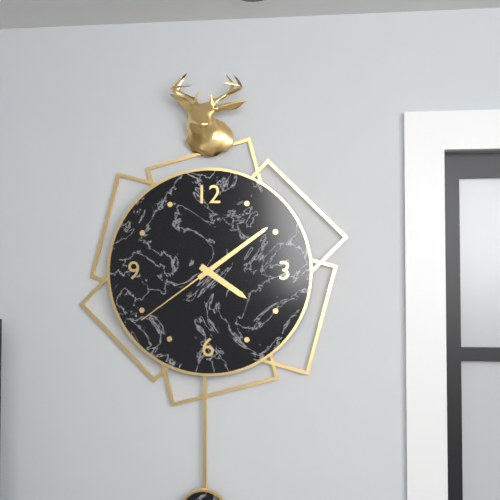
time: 4:09:39
